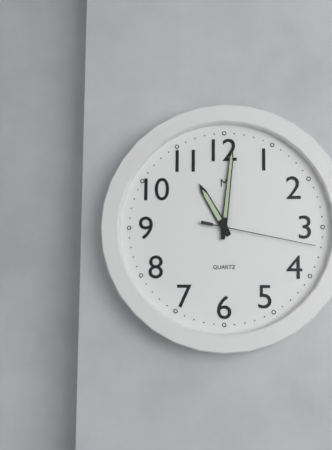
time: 11:01:17
